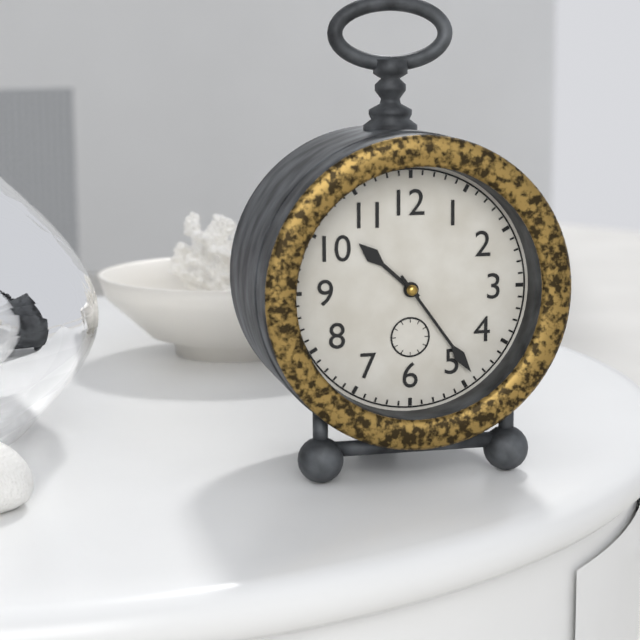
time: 10:24
